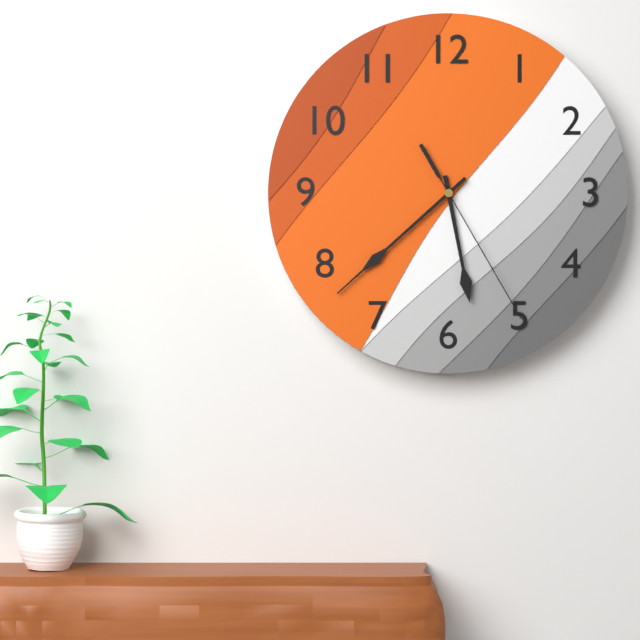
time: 5:38:25
